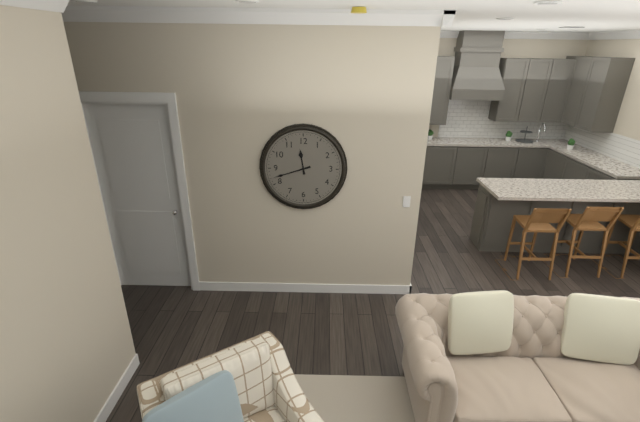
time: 11:42
